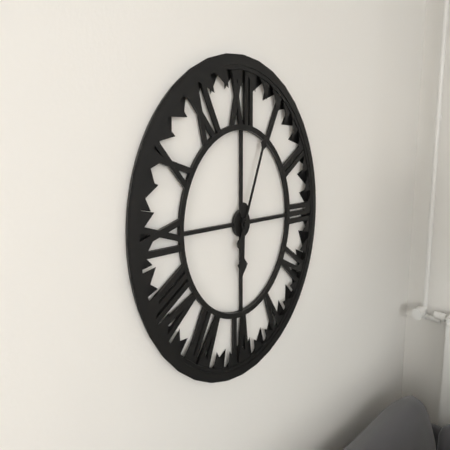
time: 6:04
